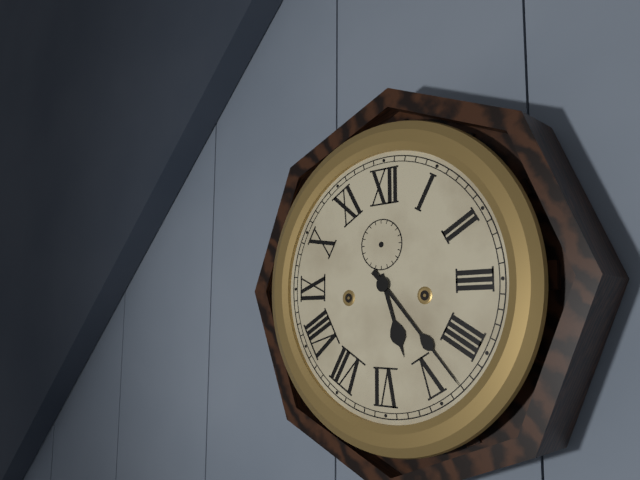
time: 5:23
